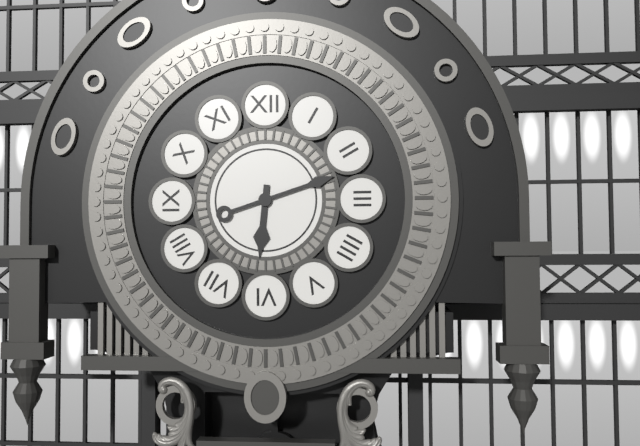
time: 6:12
